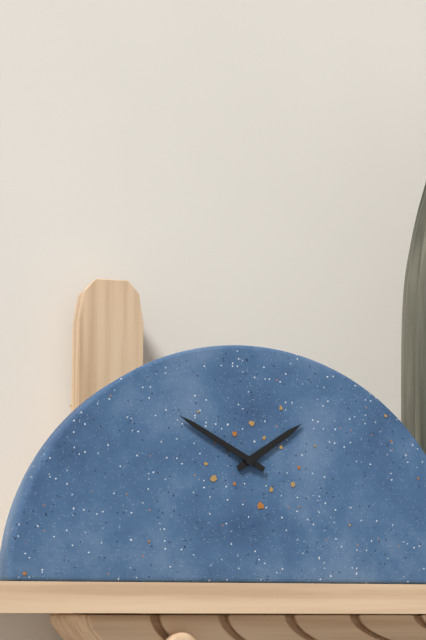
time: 1:50
